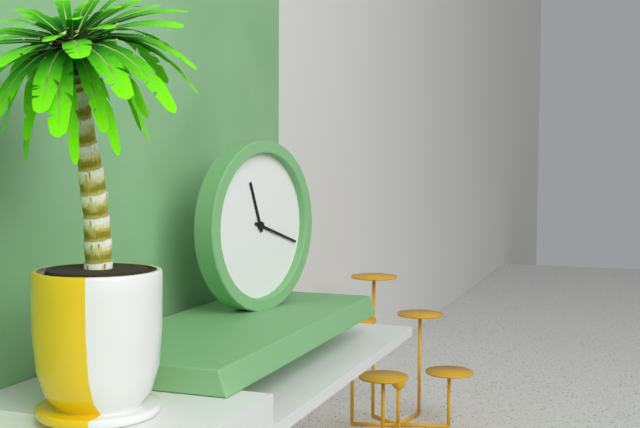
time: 11:18
